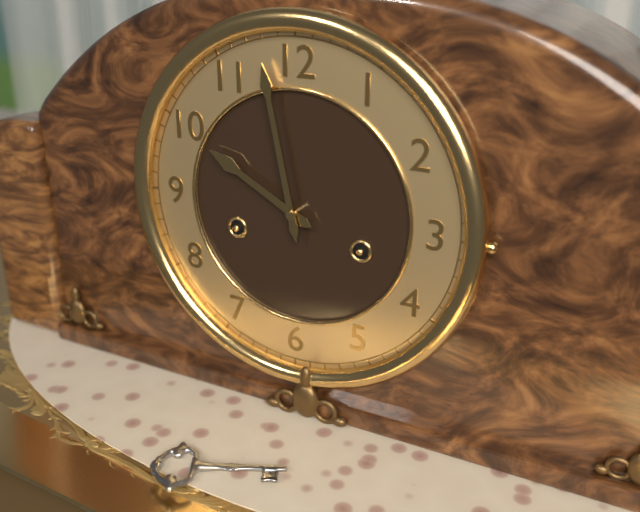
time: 9:58
